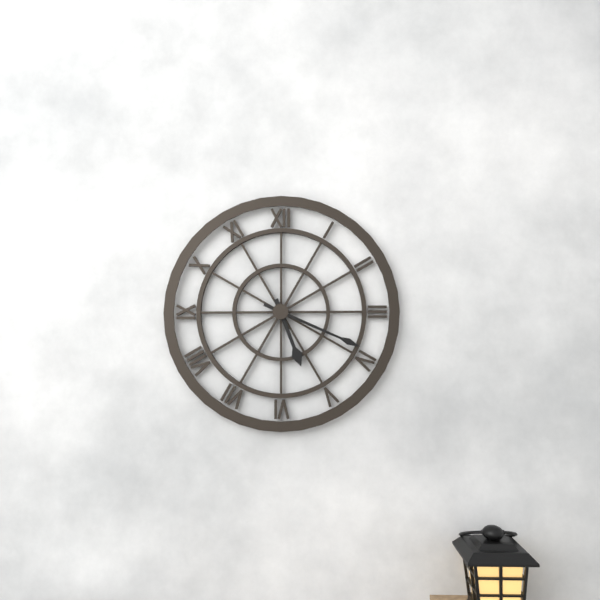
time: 5:19
